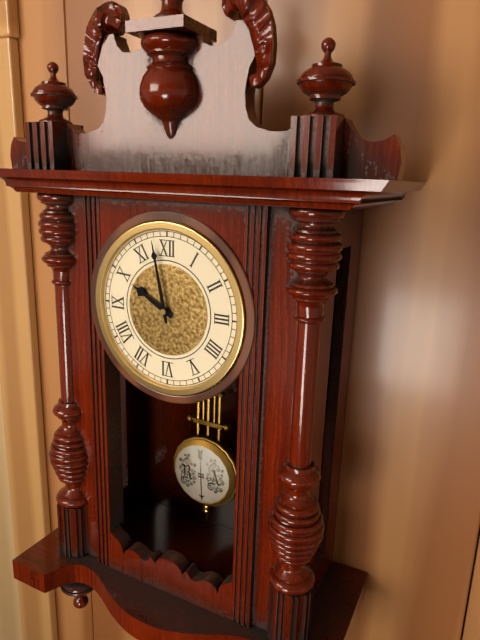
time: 9:58
